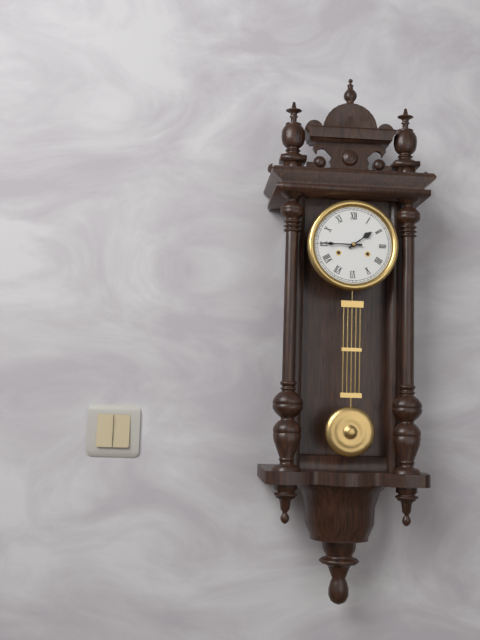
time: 1:45
